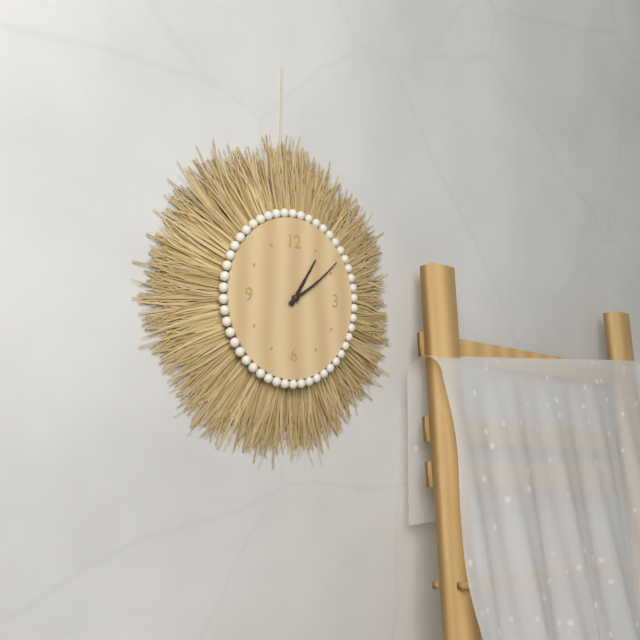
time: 1:09
